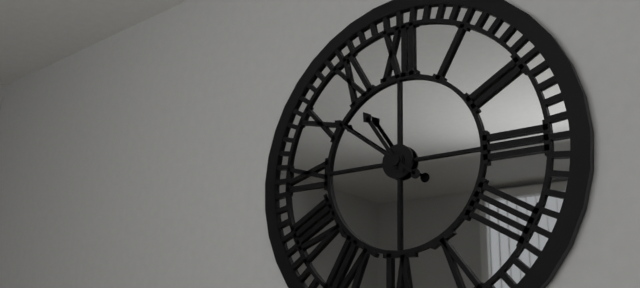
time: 10:51
